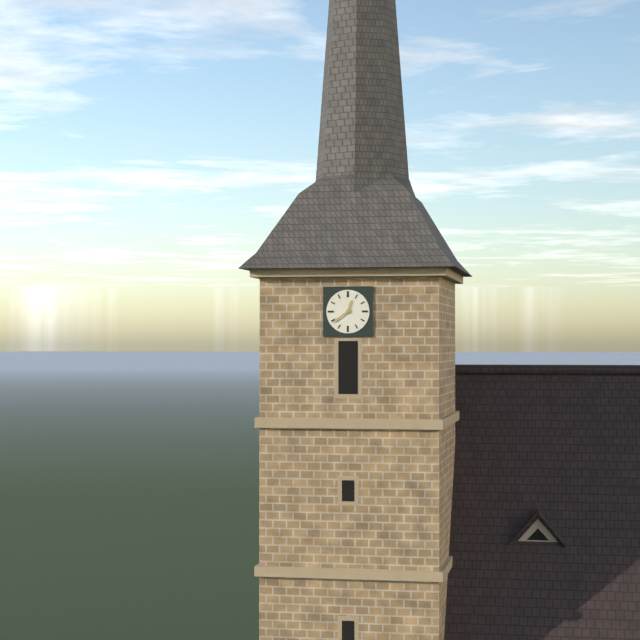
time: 12:39
